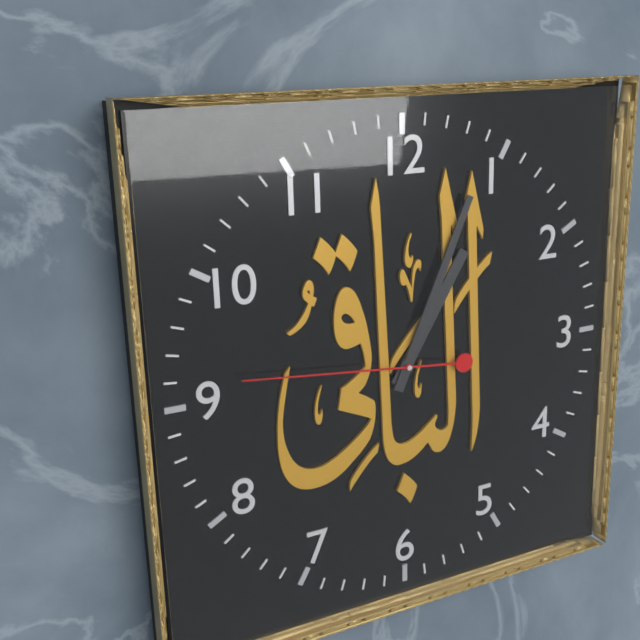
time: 1:04:46
